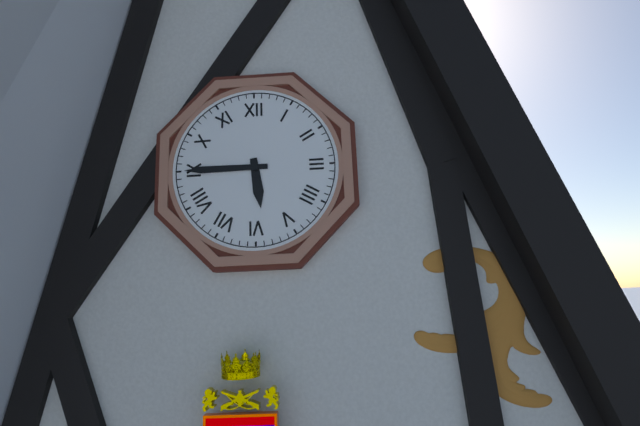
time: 5:45
